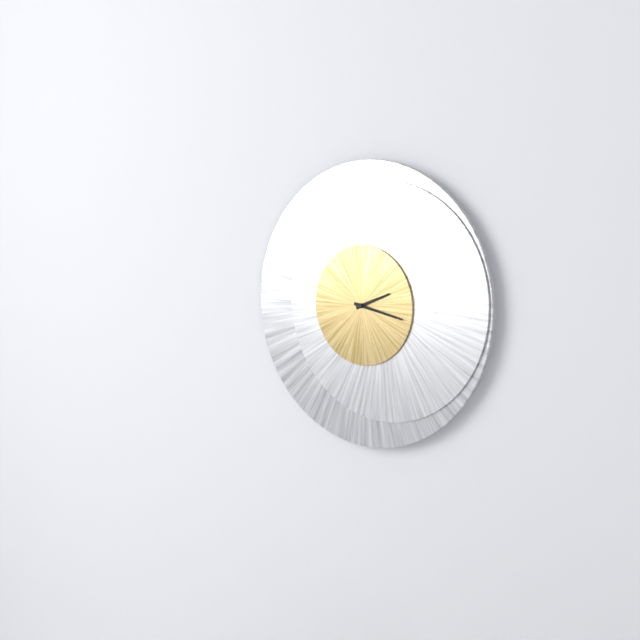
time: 2:17
